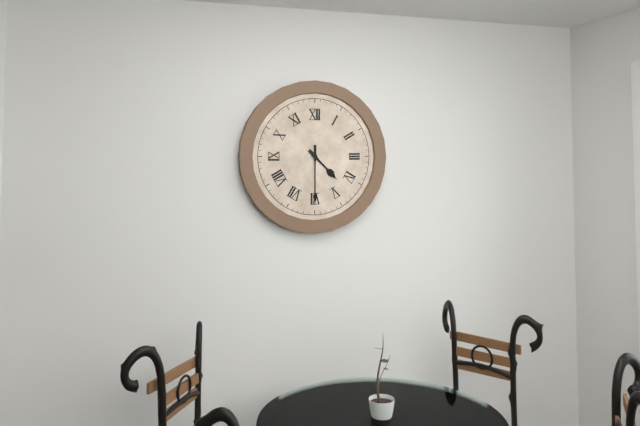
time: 4:30
